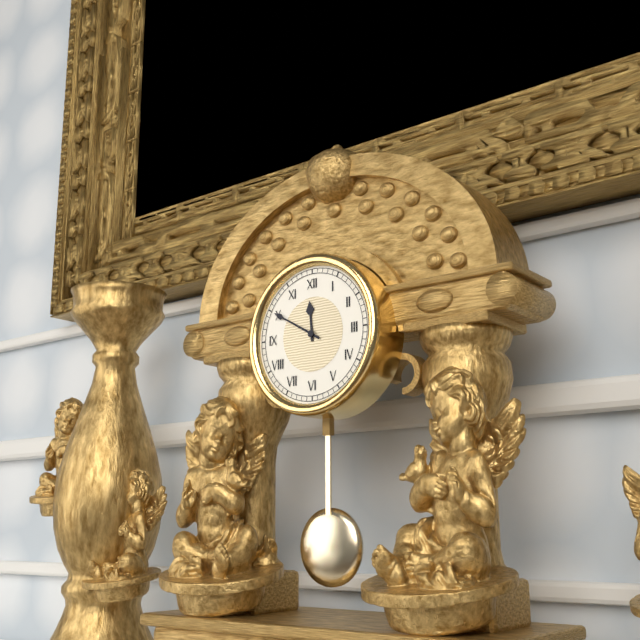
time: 11:50
